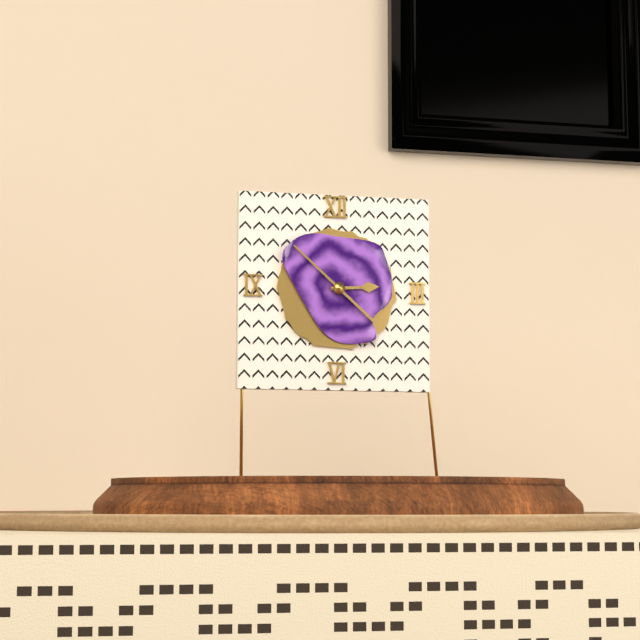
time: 2:52
